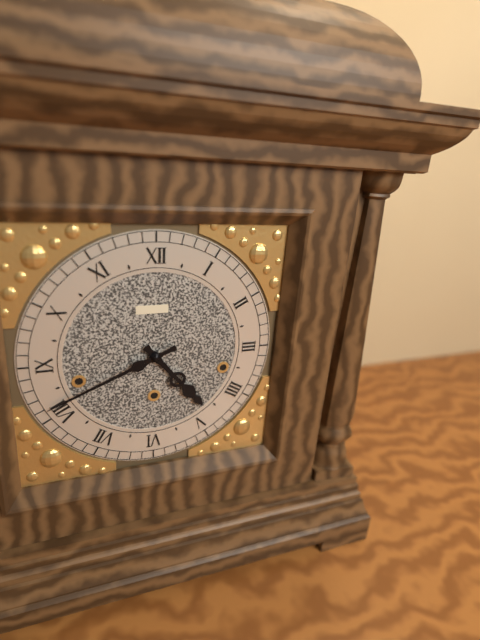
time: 4:41
